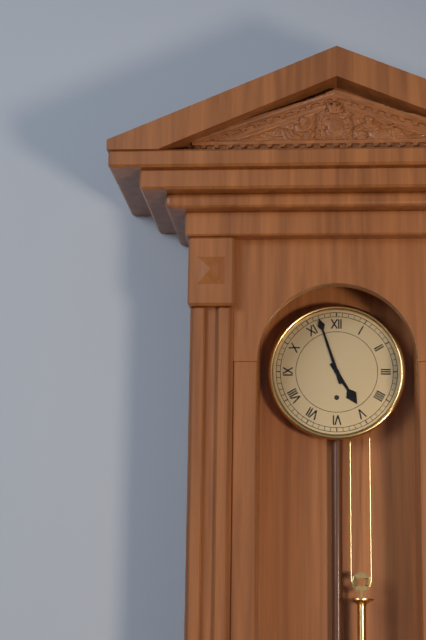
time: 4:57
